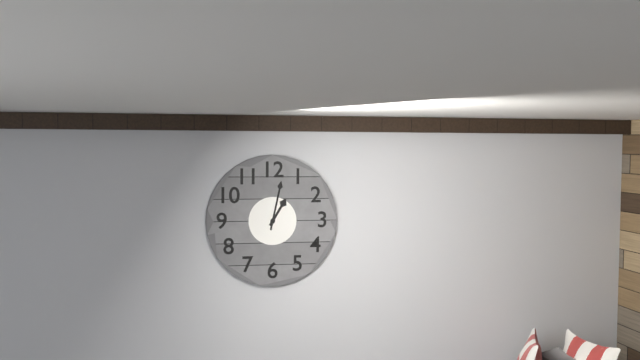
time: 1:02
